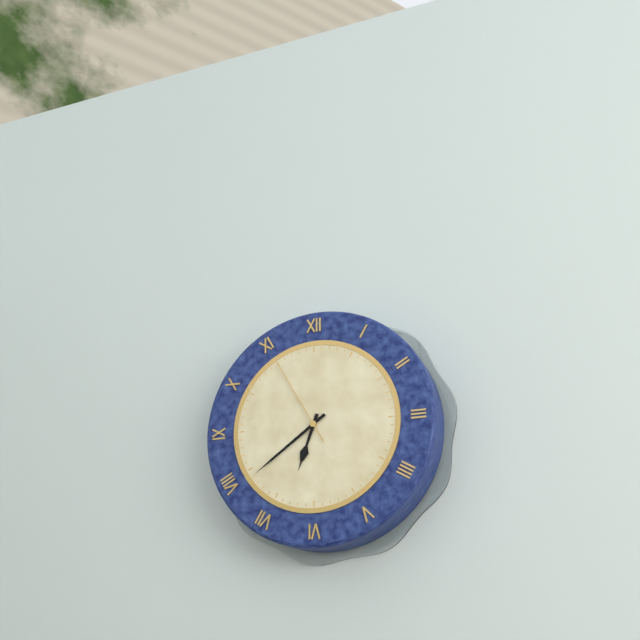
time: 6:39:55
